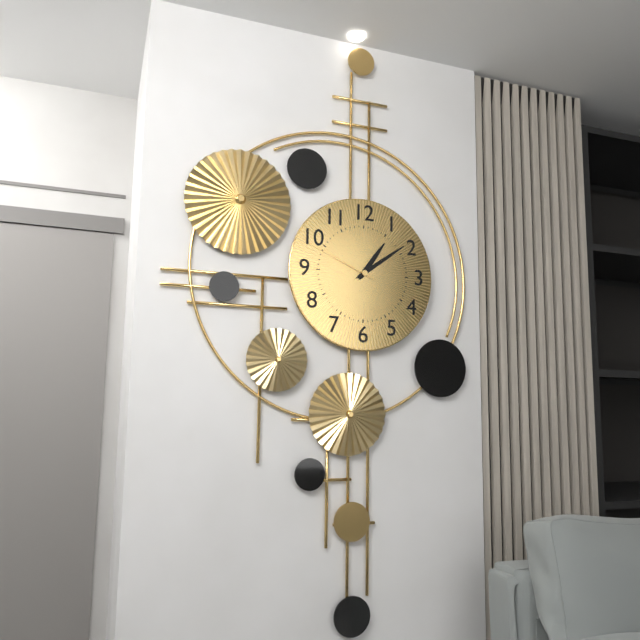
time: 1:09:49
